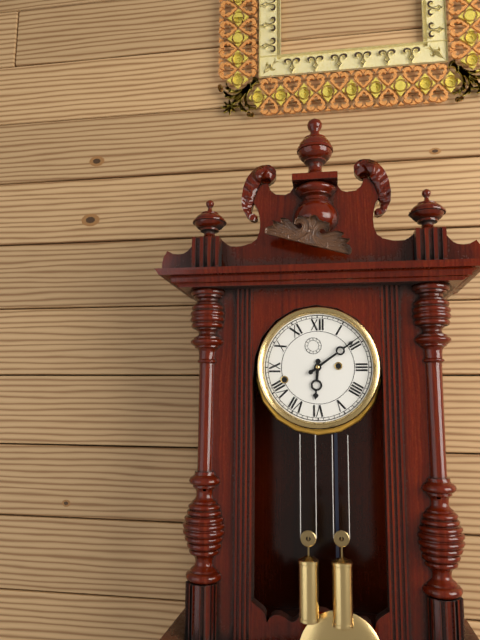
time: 6:09
